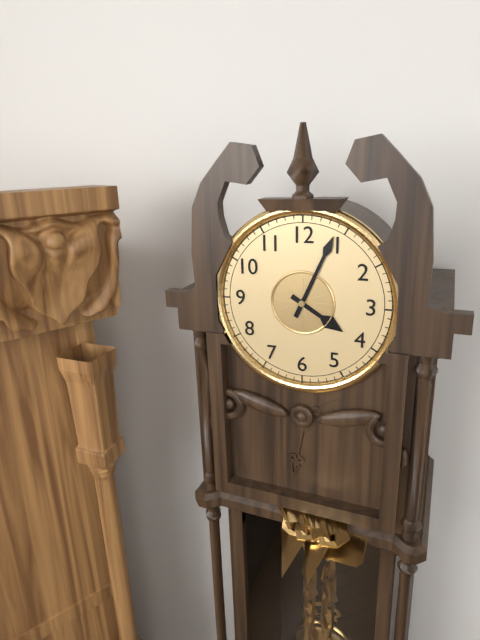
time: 4:04
